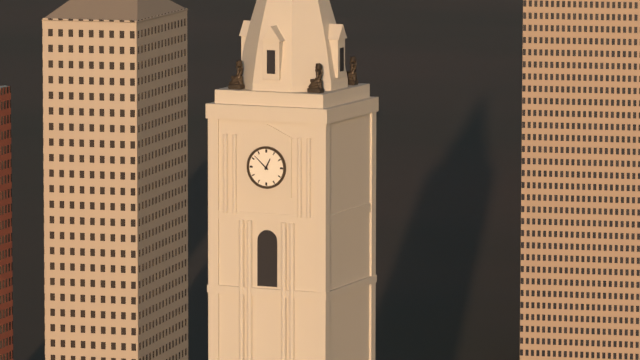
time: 12:52
